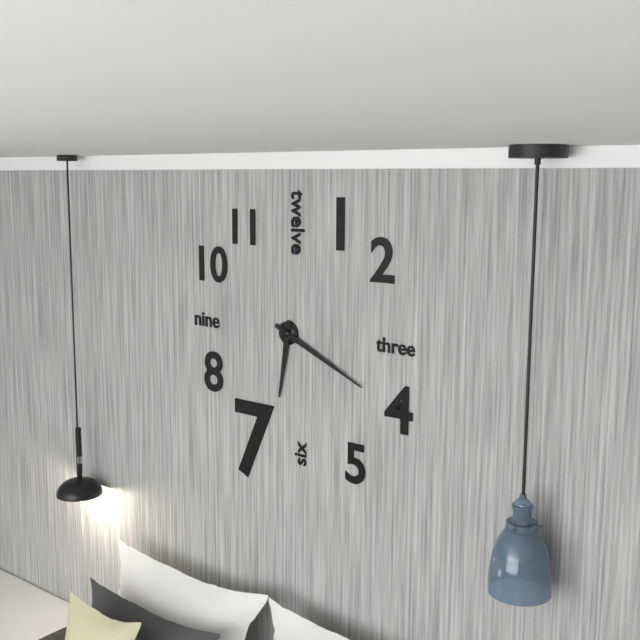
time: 6:19
